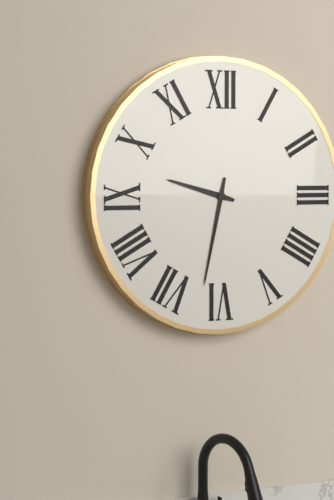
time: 9:32
